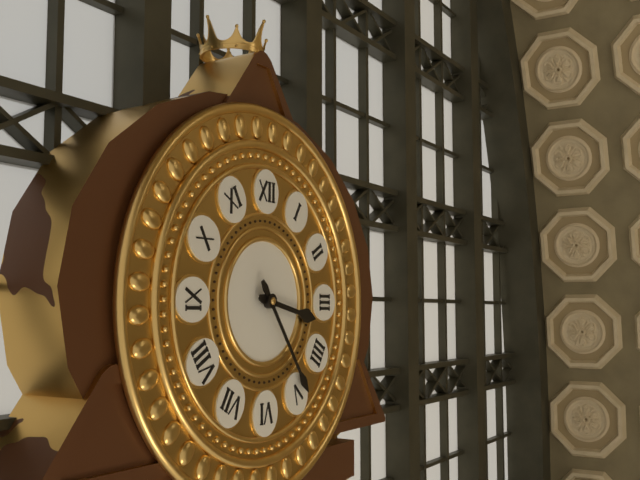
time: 3:24
